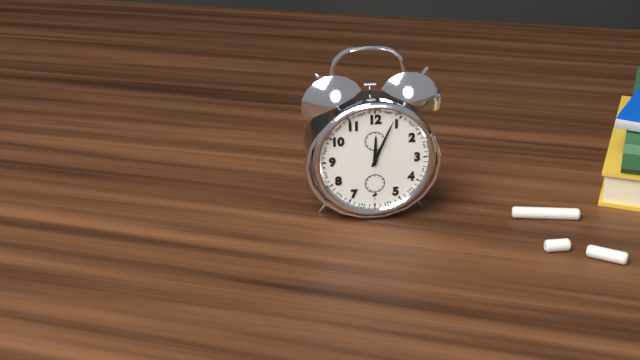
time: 12:04
